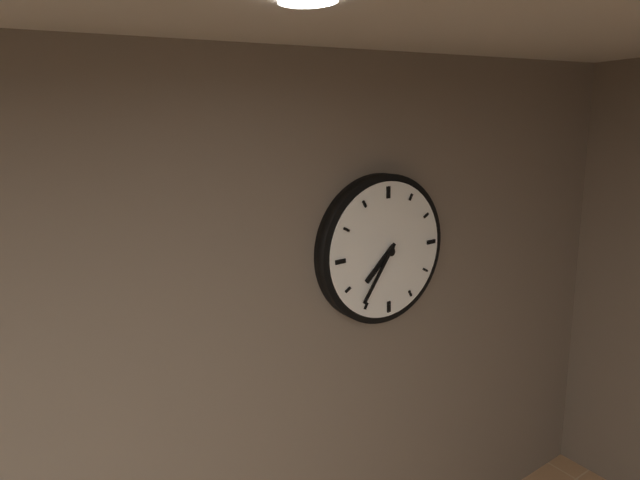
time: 7:36
